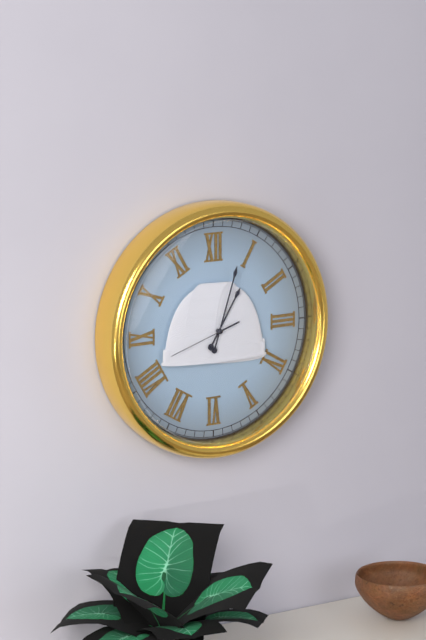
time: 1:03:42
